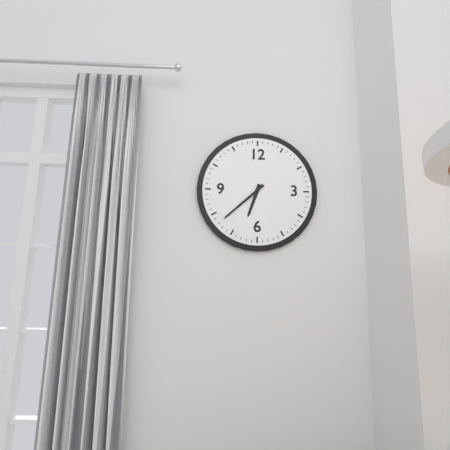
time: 6:38
